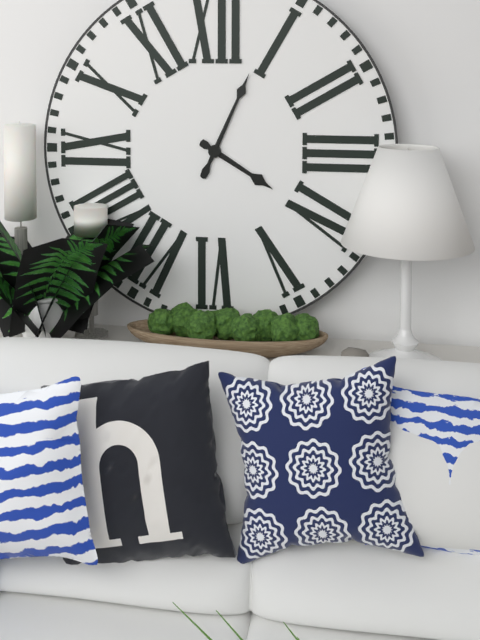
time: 4:04
